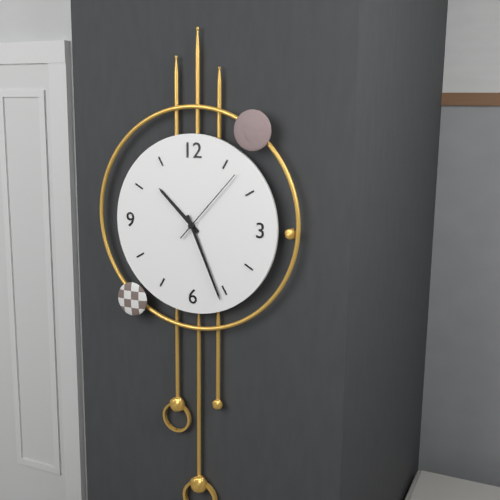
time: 10:26:07
